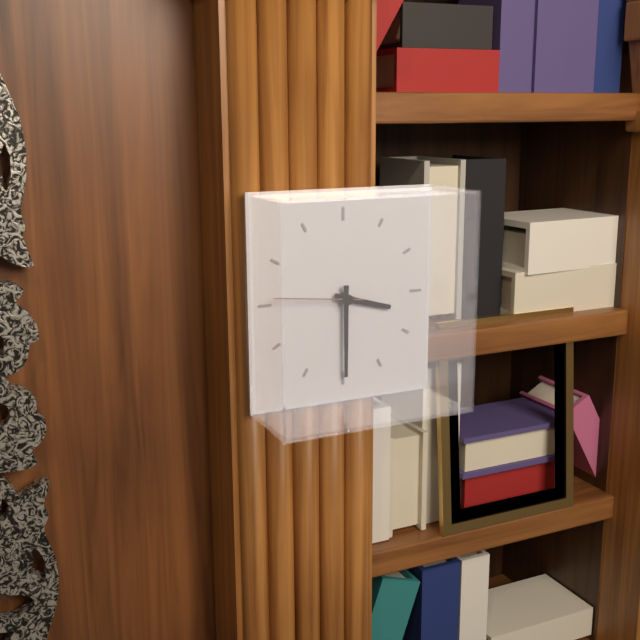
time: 3:30:46
